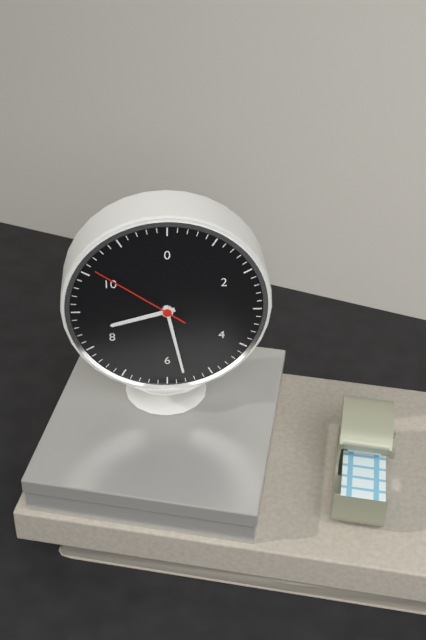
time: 8:28:51
